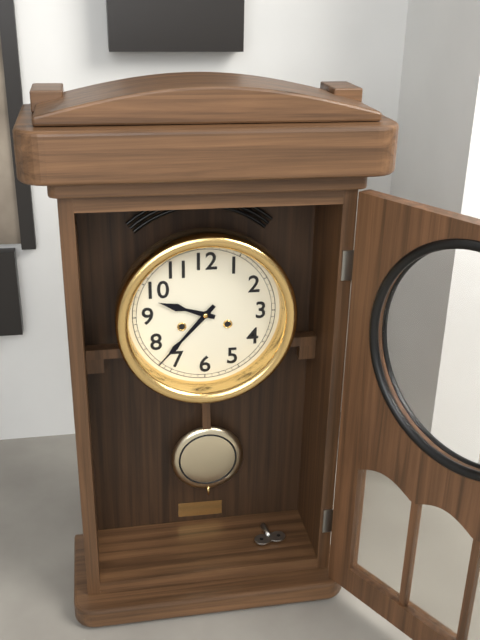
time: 9:37
